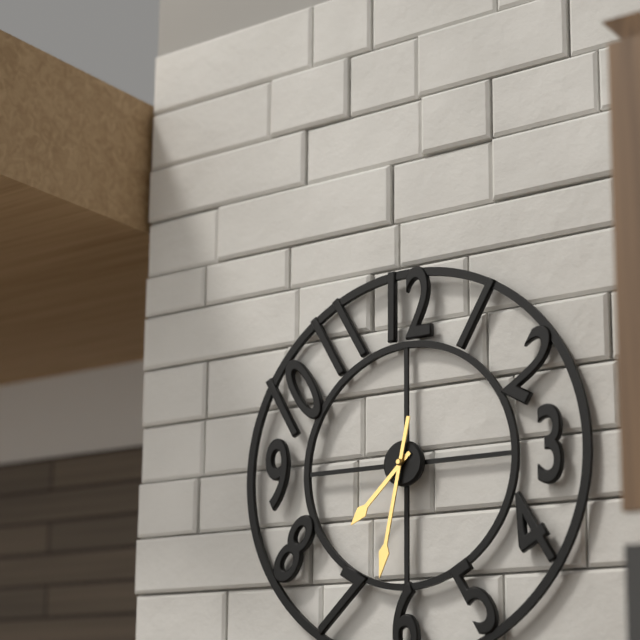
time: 7:32
